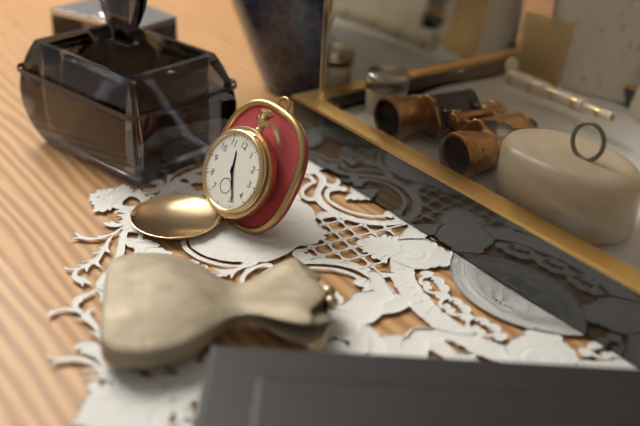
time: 11:24
